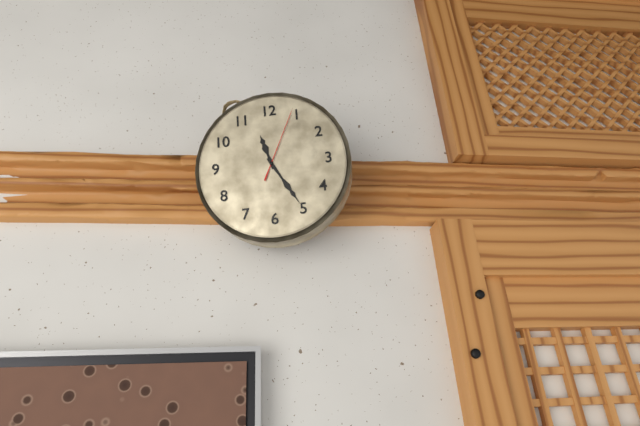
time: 11:25:04
